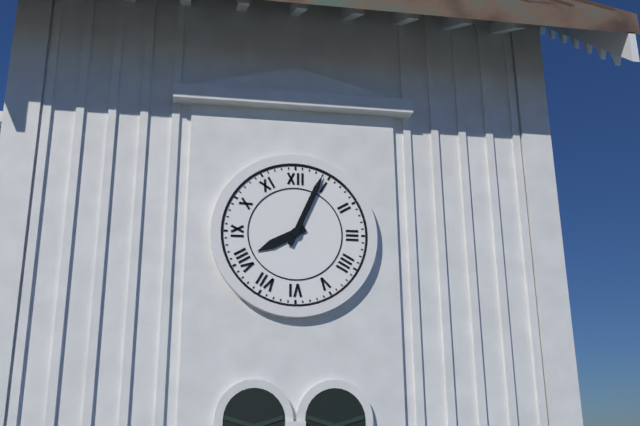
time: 8:04
